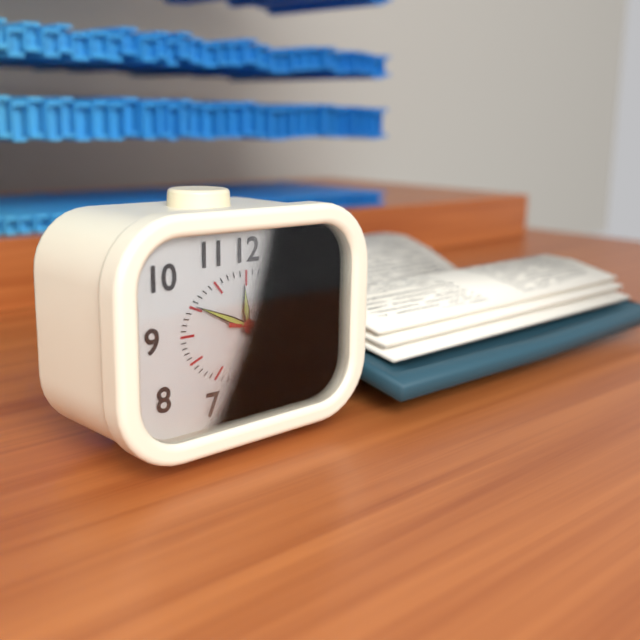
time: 11:49:17
